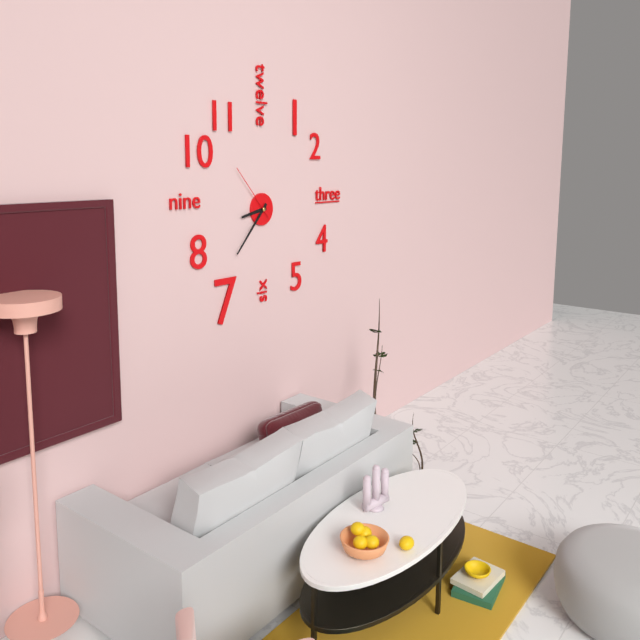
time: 8:37:53
